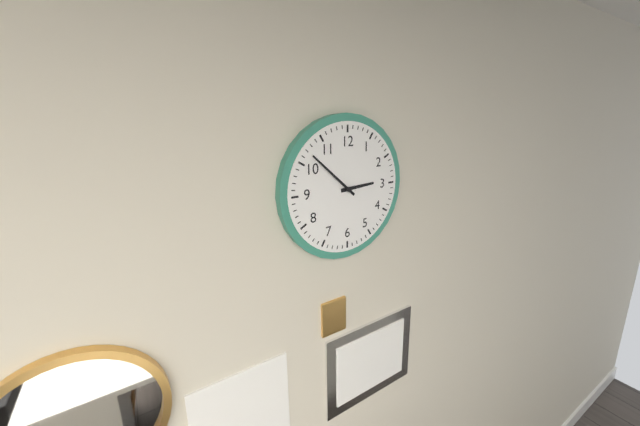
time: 2:52
